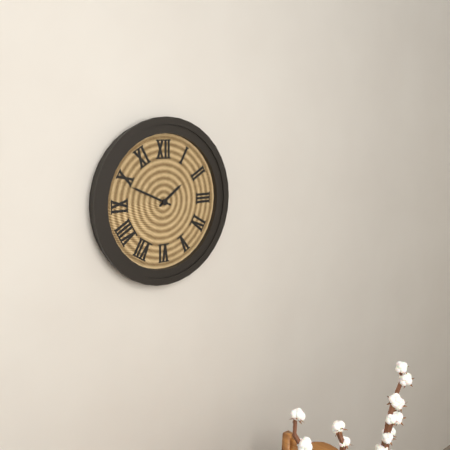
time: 1:49
